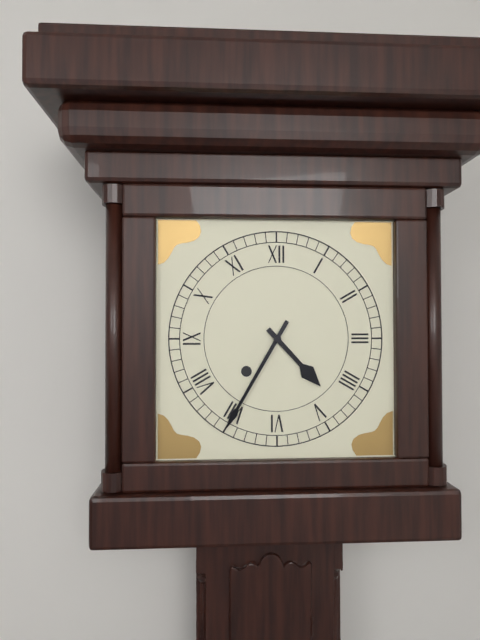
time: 4:35
